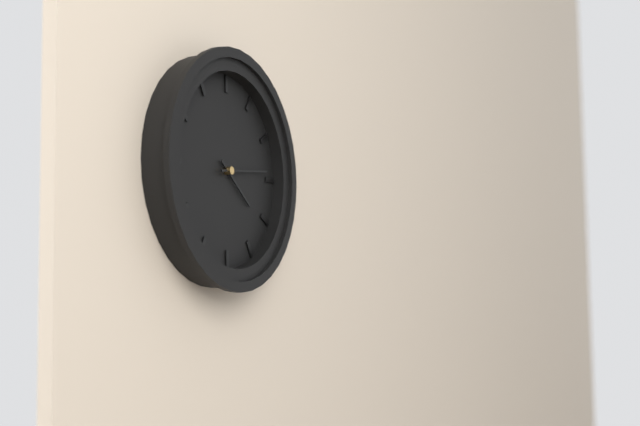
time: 4:14
